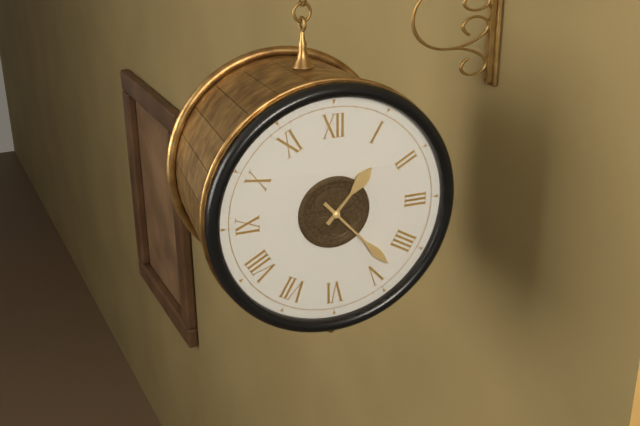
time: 1:23
